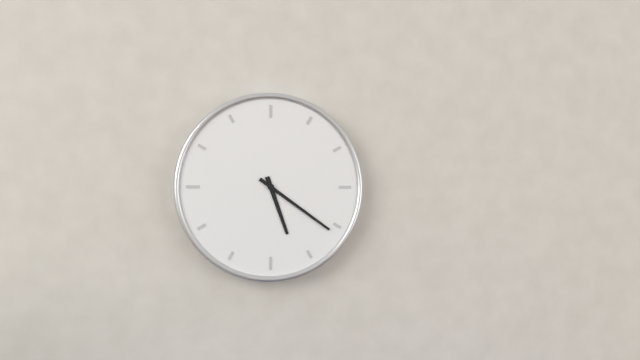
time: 5:21
